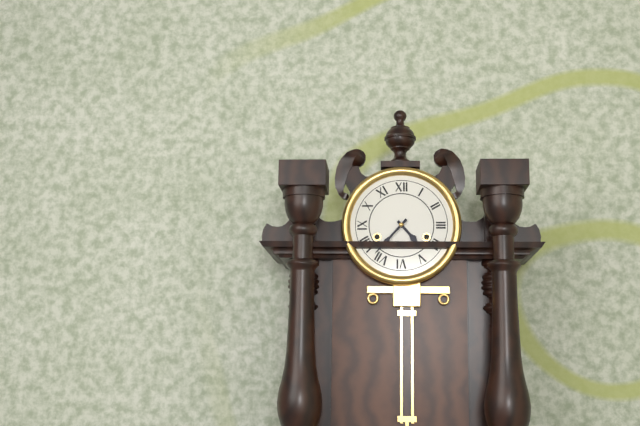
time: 4:37
